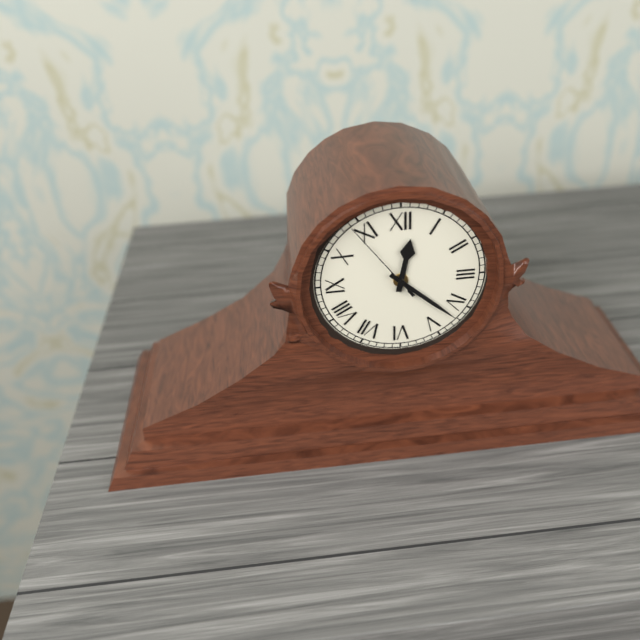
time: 12:22:54
